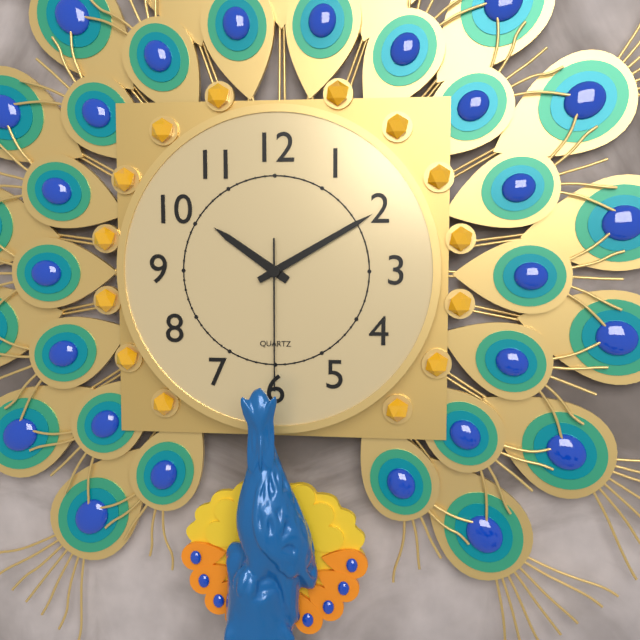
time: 10:10:30
